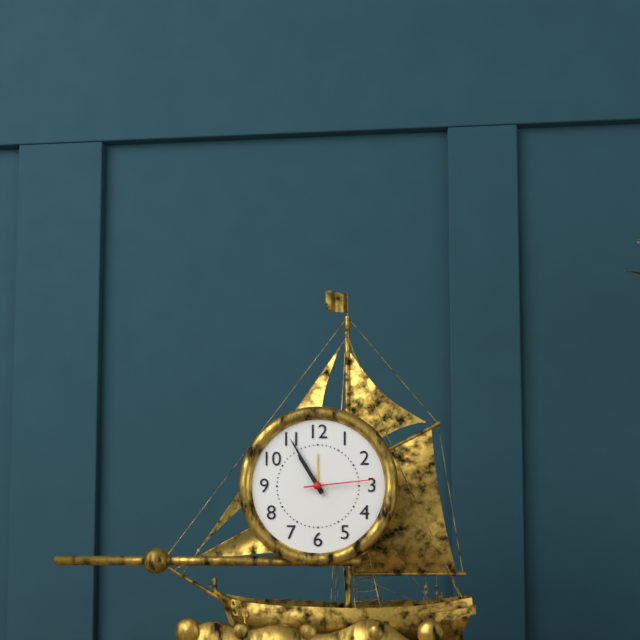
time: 10:55:14
